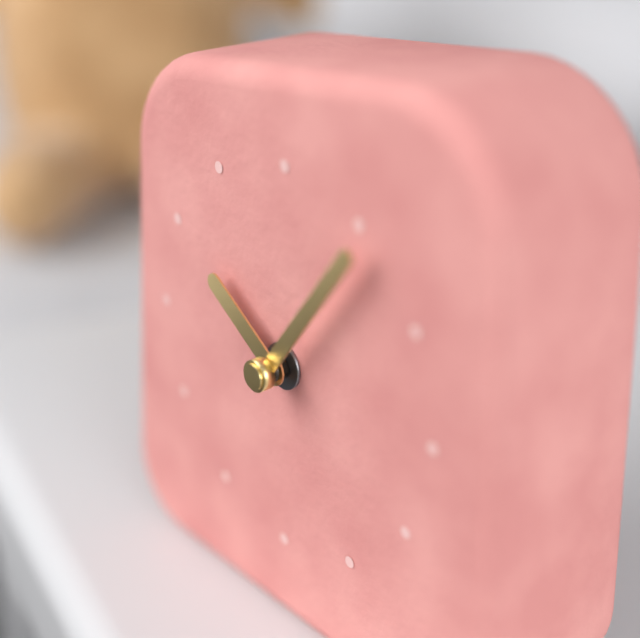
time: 10:06
